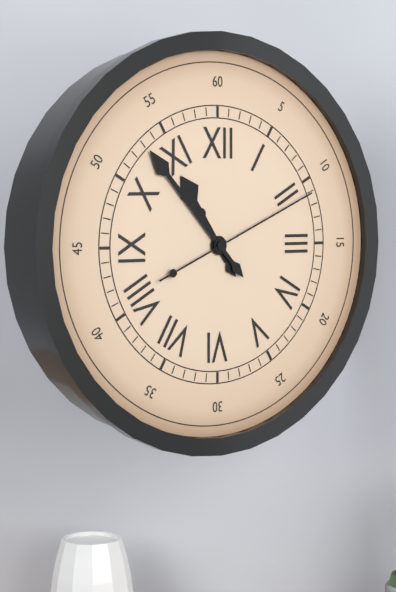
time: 10:53:11
